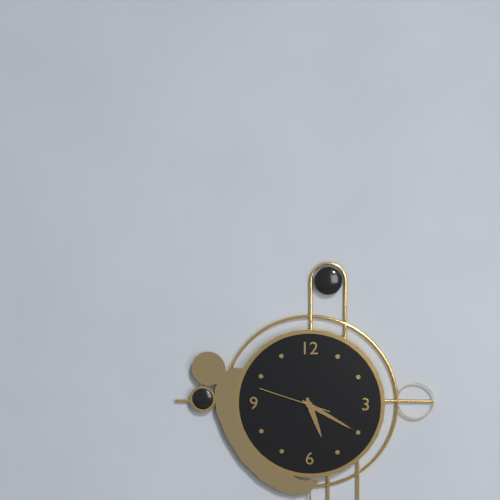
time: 5:20:48
